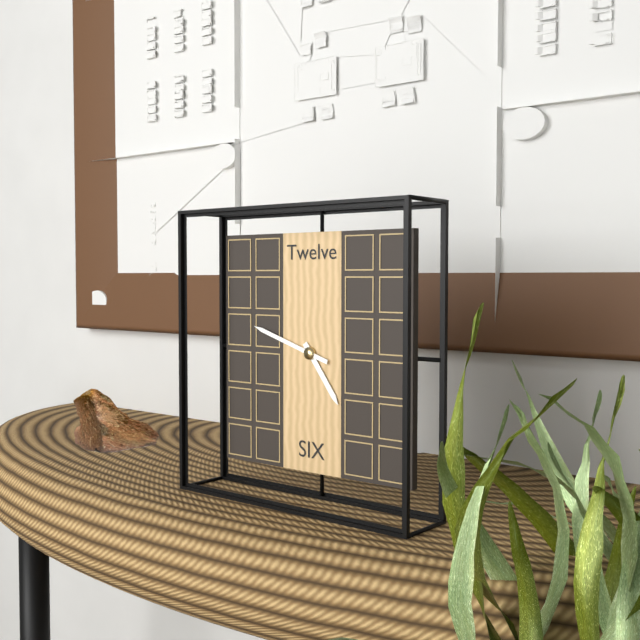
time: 4:48
